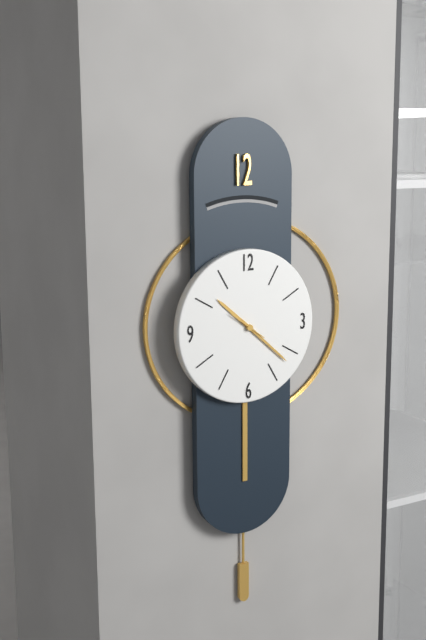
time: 10:22
